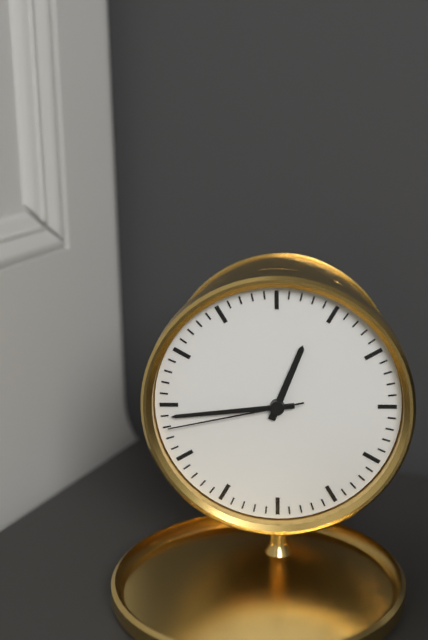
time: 12:44:43
